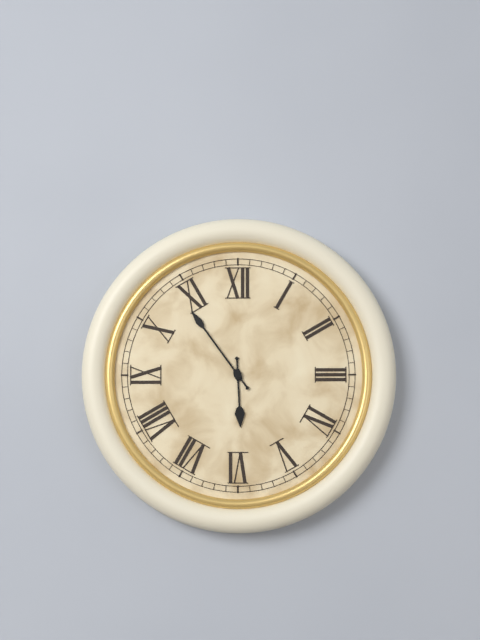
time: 5:54
